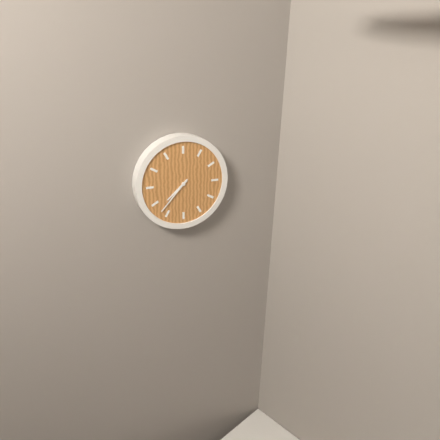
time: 7:37
